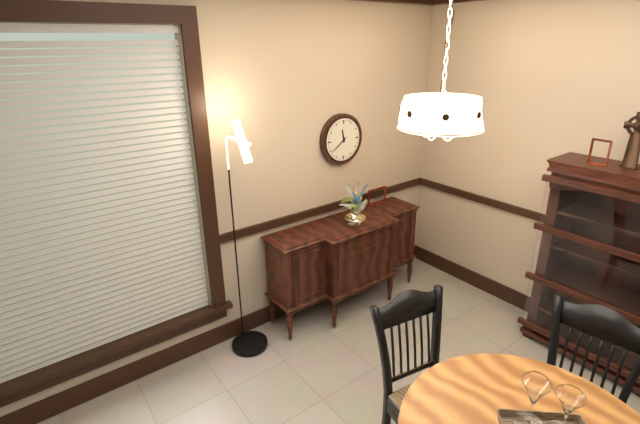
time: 11:39
